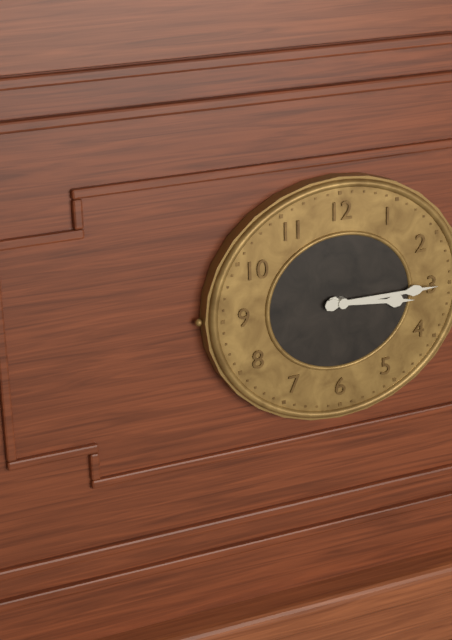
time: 3:15
